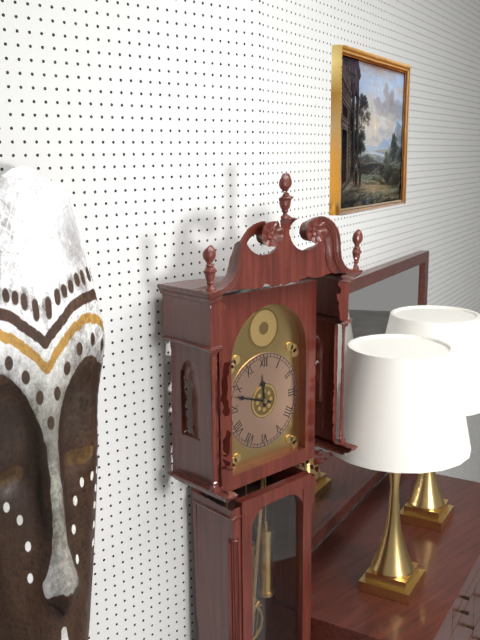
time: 11:48
